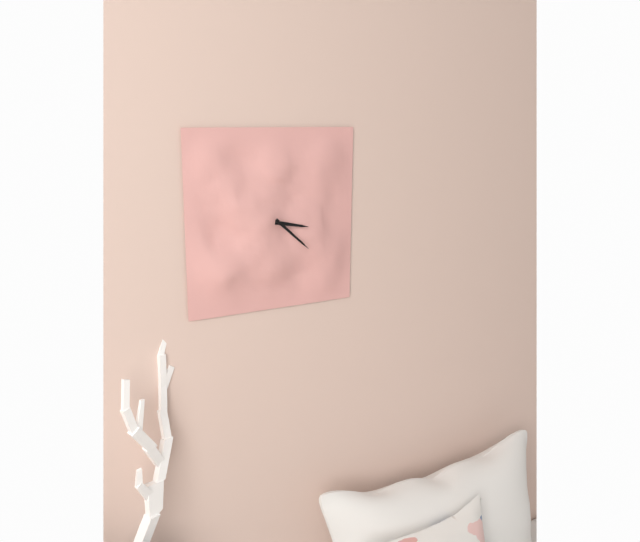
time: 3:22
